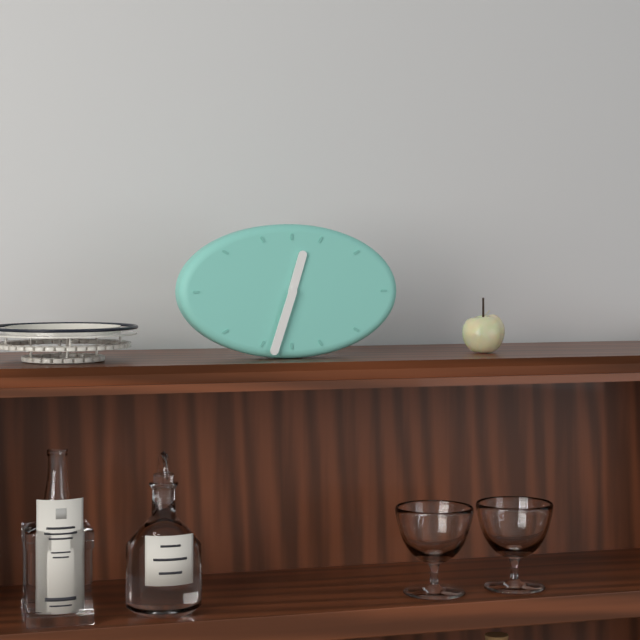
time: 12:33
